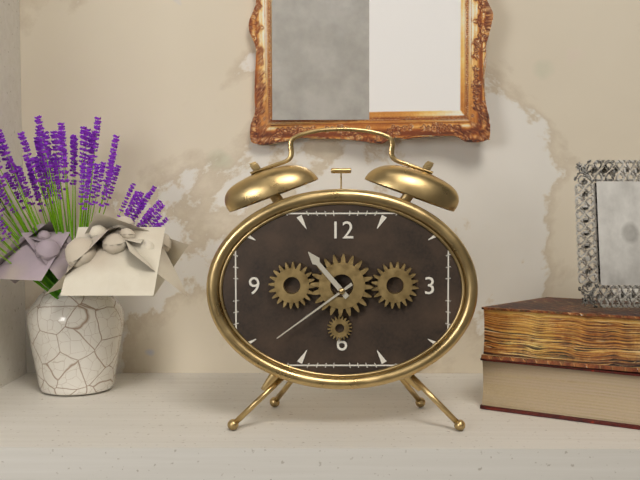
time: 10:39
